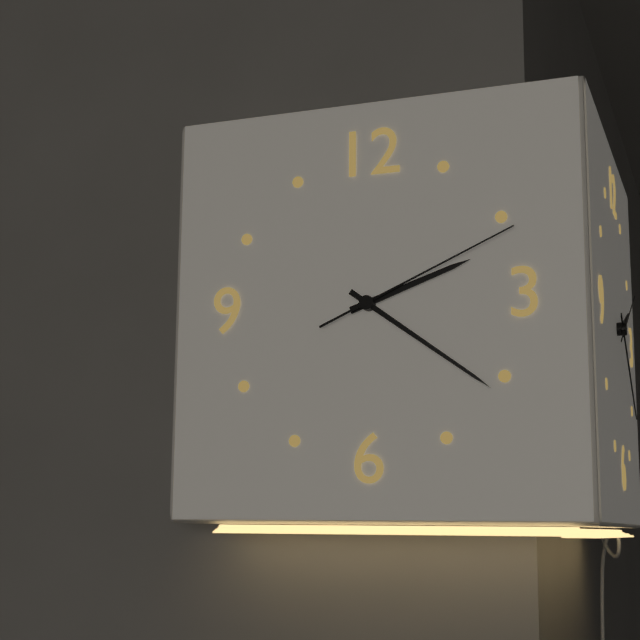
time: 2:21:11
